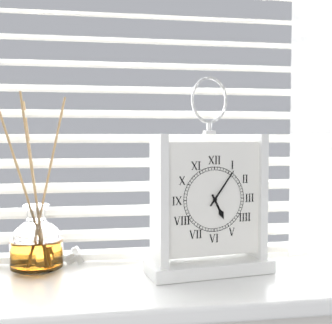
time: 5:06
